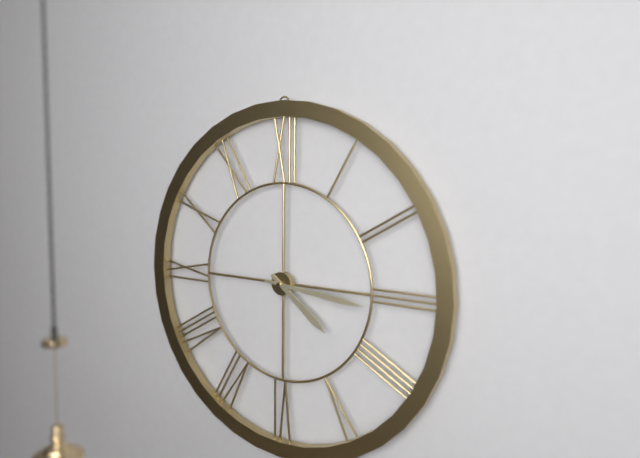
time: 4:16
